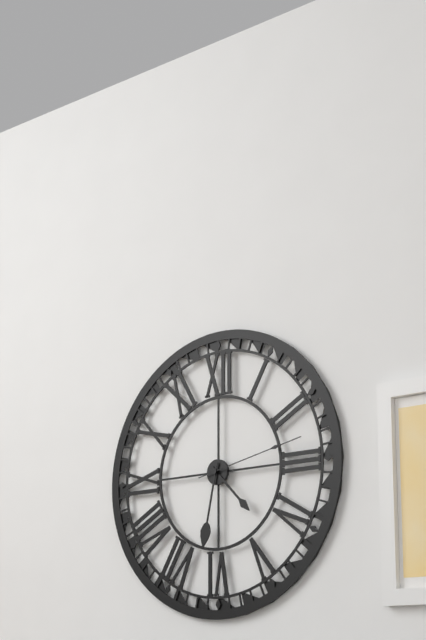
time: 4:32:13
